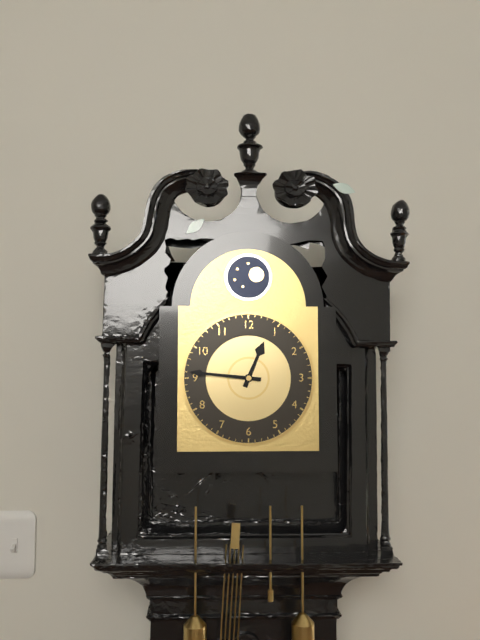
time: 12:46
